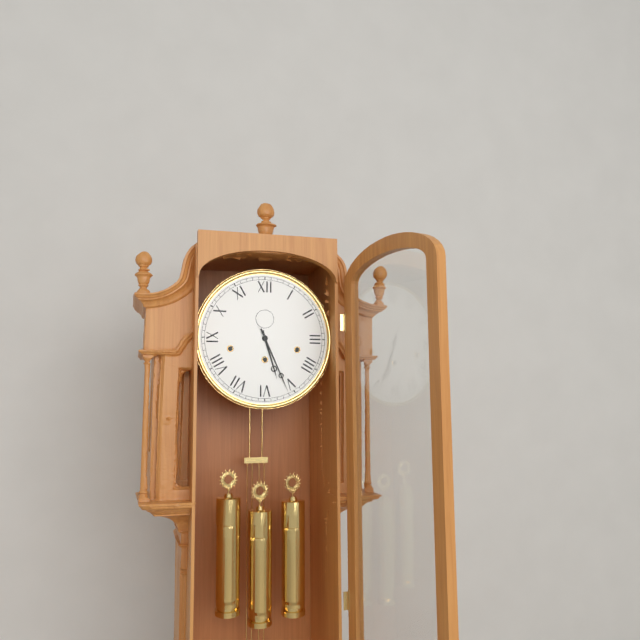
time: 5:26
